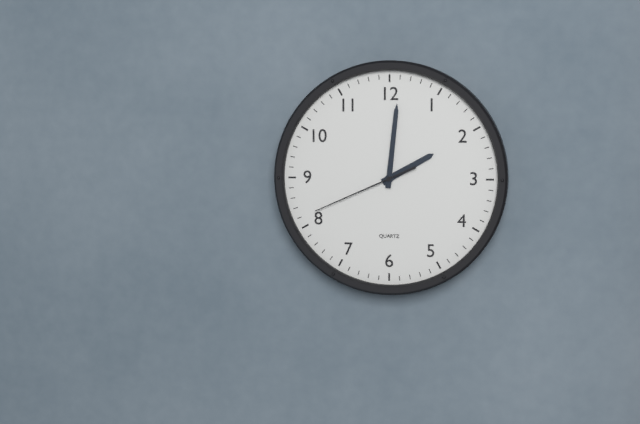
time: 2:01:41
